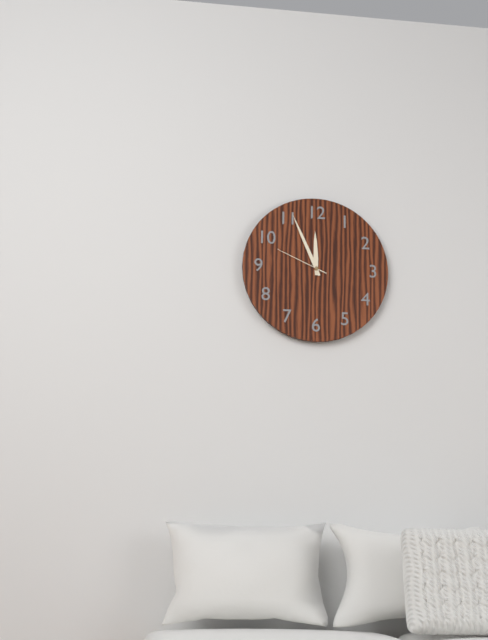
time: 11:56:49
